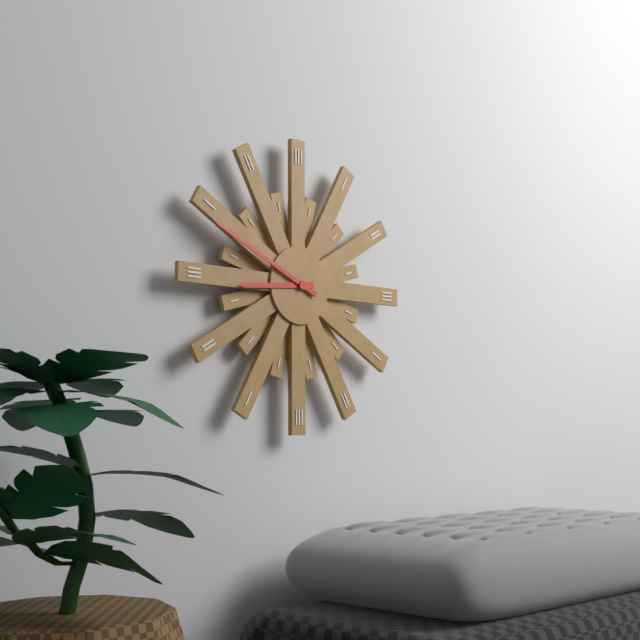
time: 8:49
